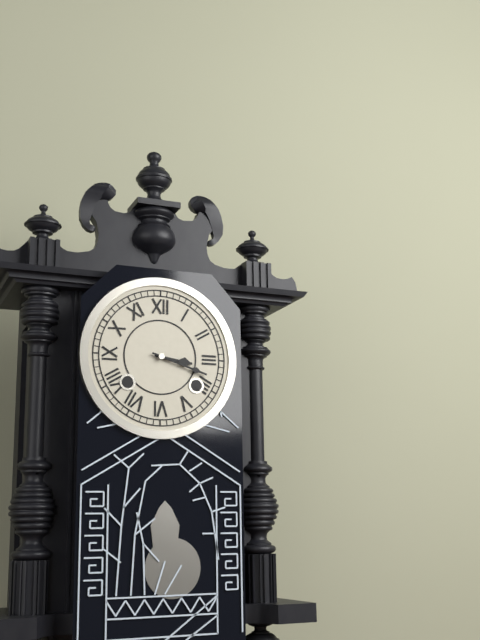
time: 3:18
